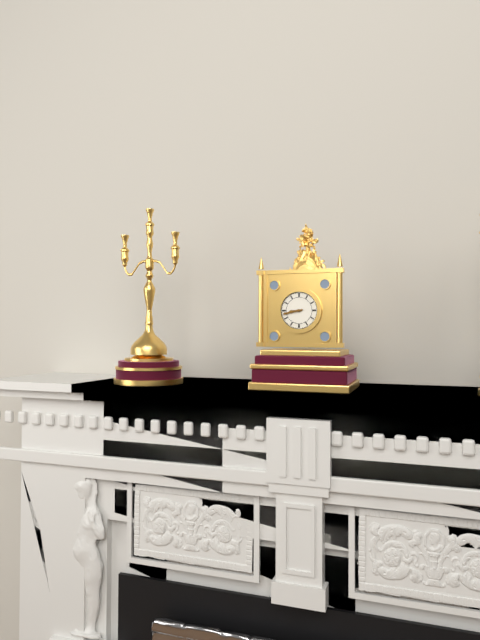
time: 8:43
